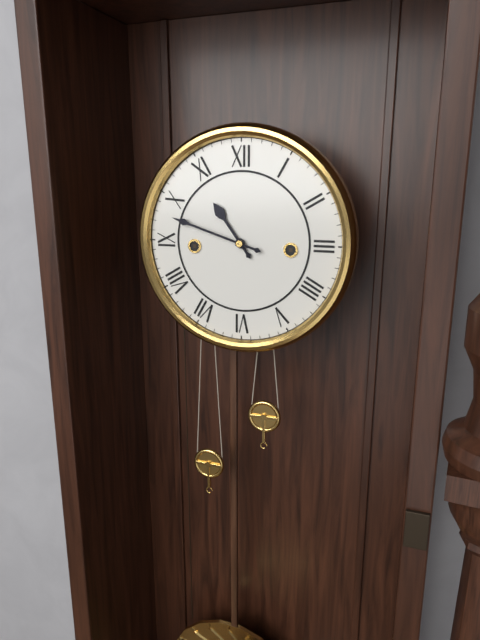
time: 10:48
